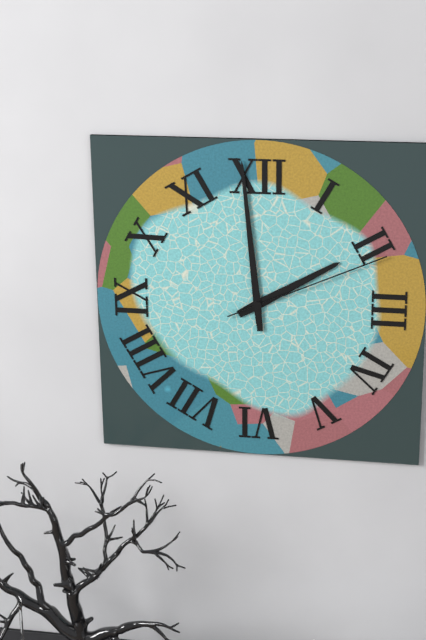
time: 1:59:11
